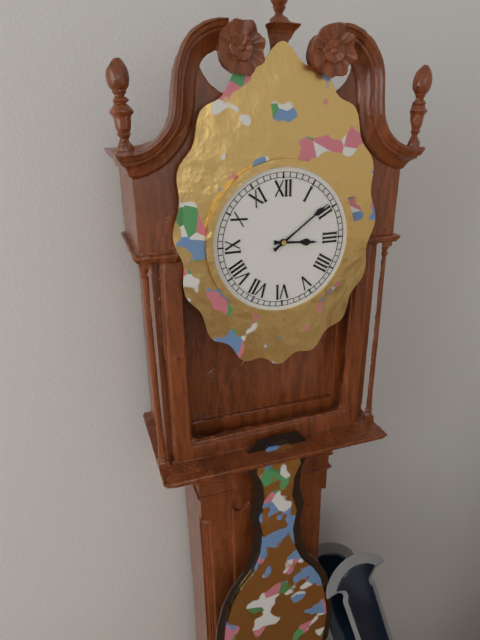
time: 3:09
